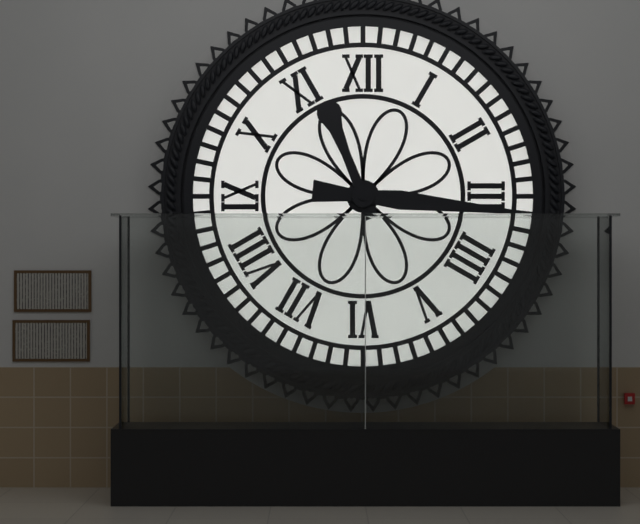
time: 11:16
